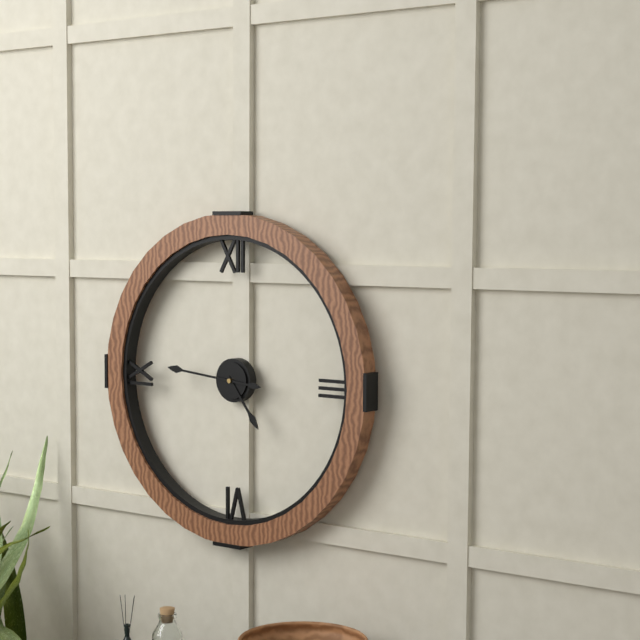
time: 4:46
